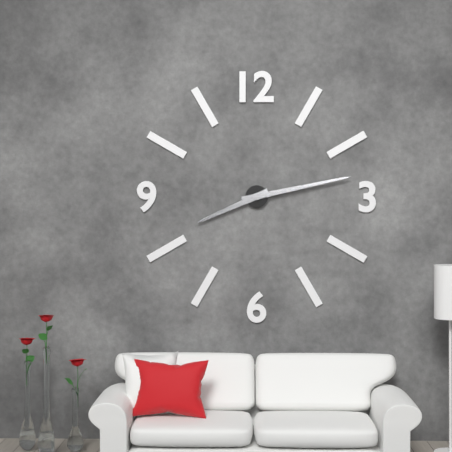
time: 8:13
